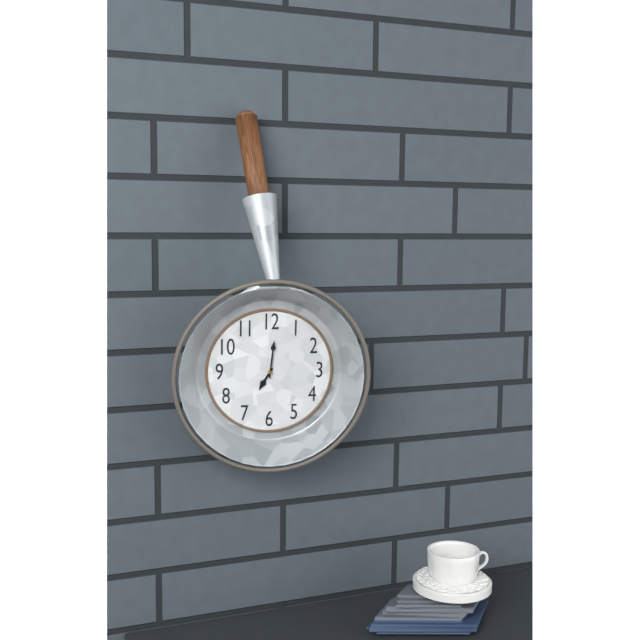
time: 7:01
